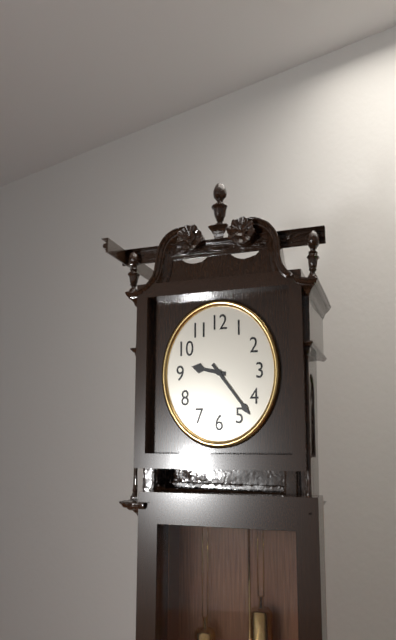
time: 9:23
